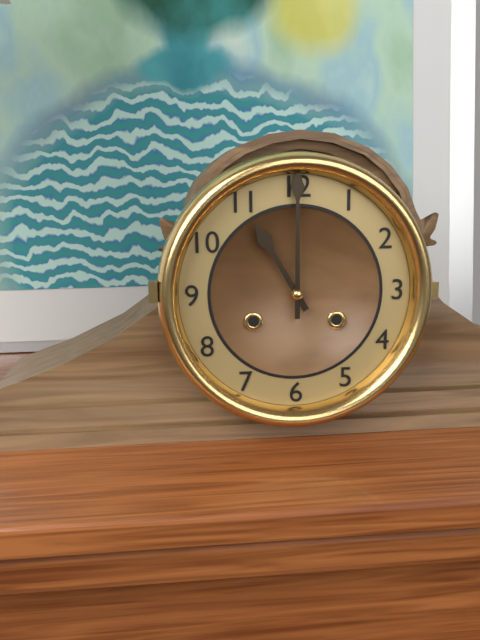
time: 11:00
